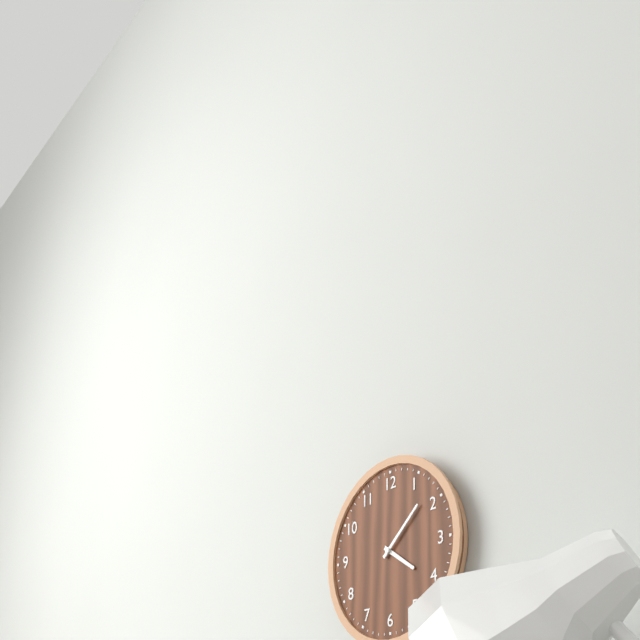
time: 4:08
